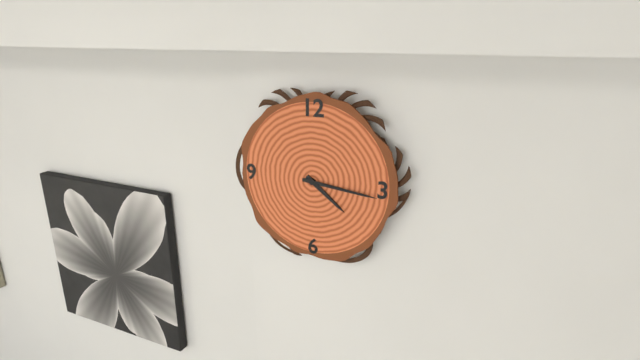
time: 4:16
